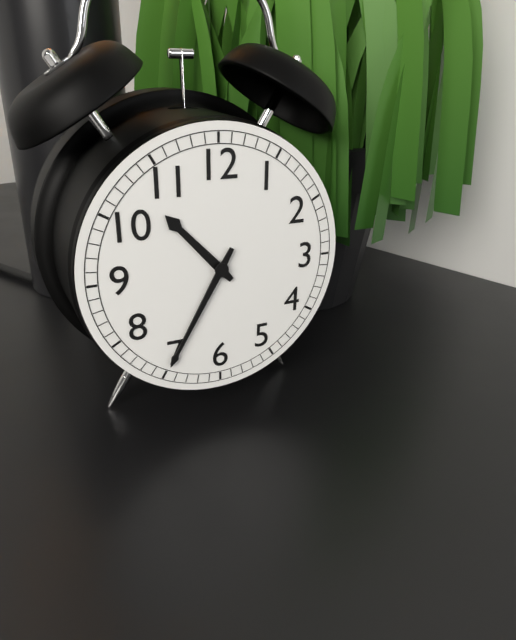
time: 10:35
